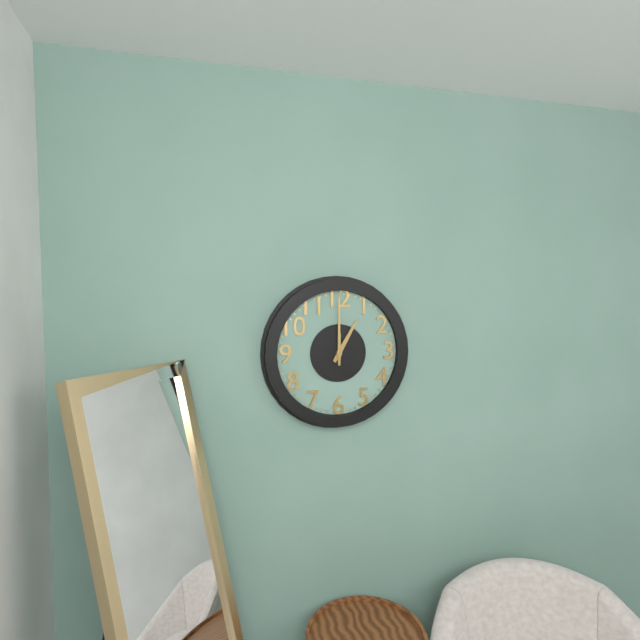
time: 1:00
